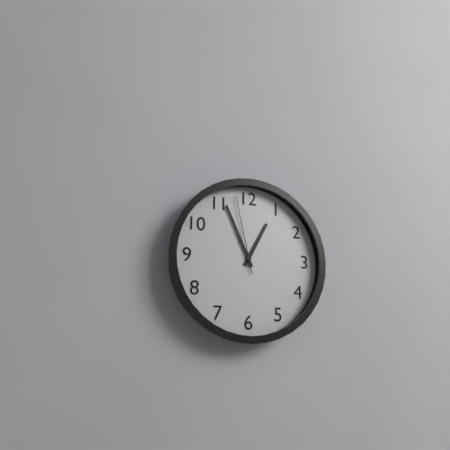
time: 12:56:58
